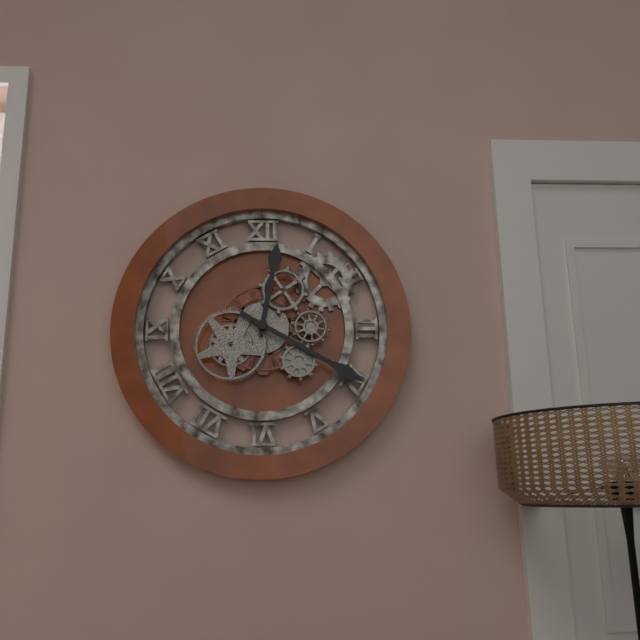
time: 12:20
